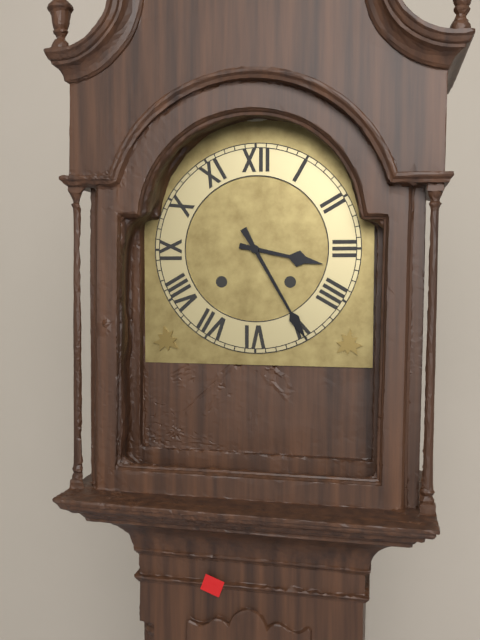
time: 3:25
